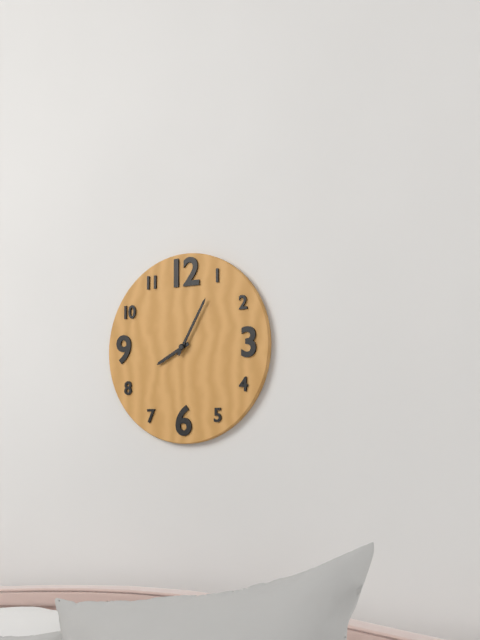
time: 8:05
